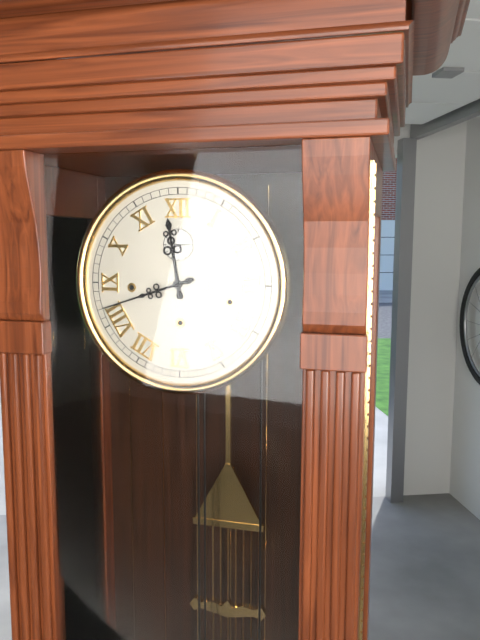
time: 11:42
